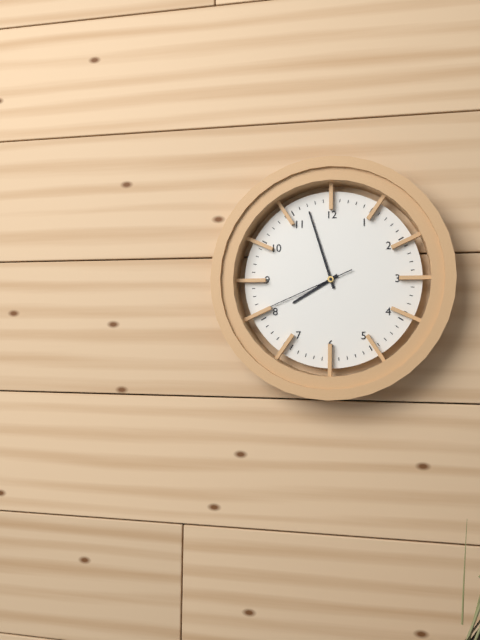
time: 7:57:41
